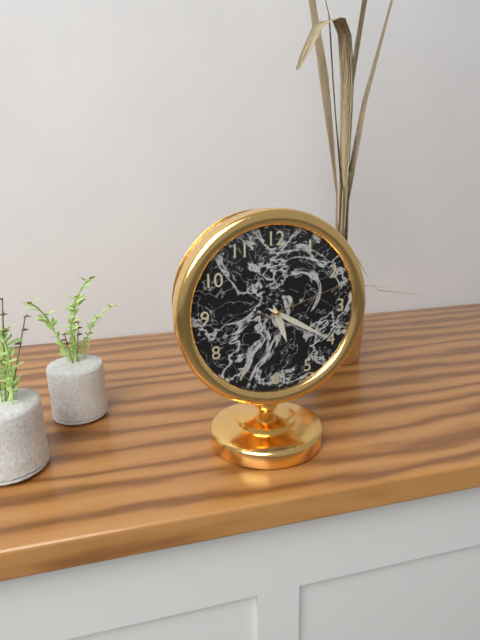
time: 5:20:12
